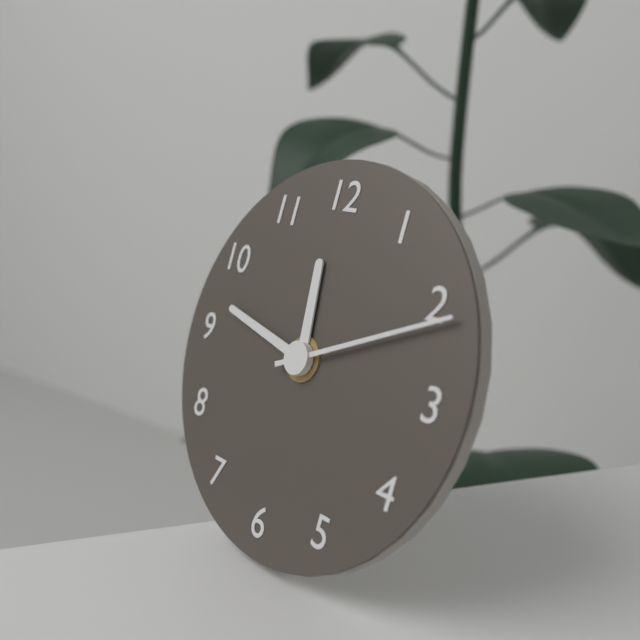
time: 11:47:11
